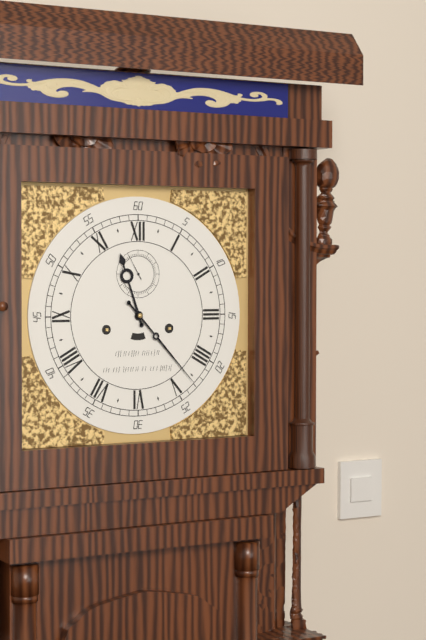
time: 11:23
